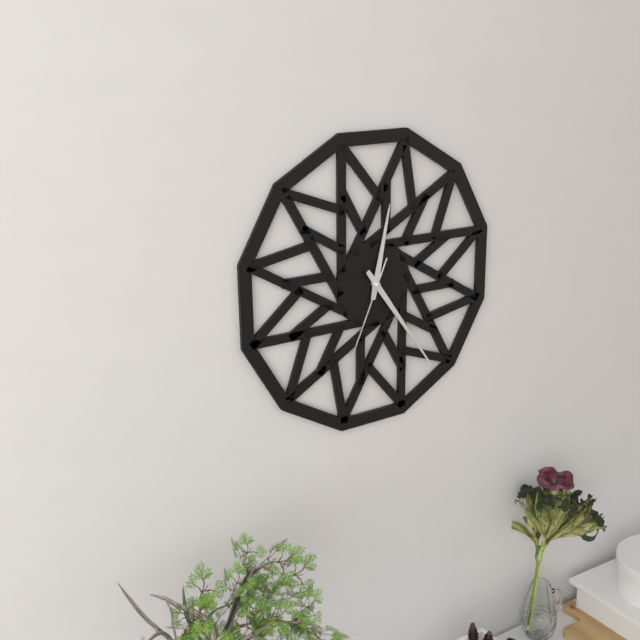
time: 12:24:34
